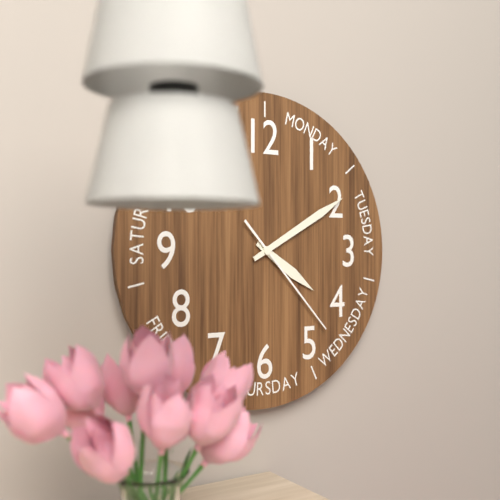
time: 4:10:23
